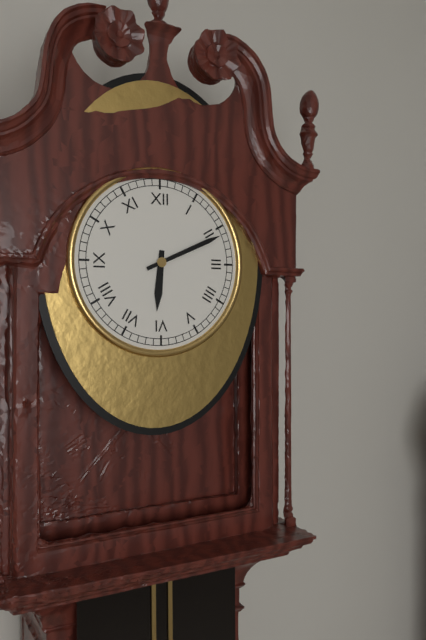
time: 6:11
